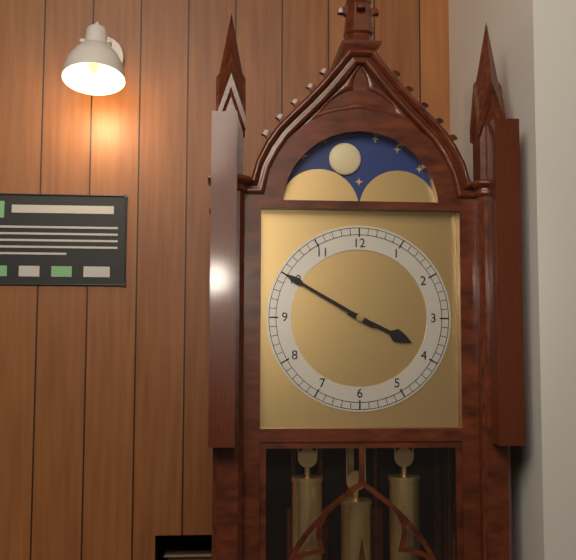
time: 3:50
